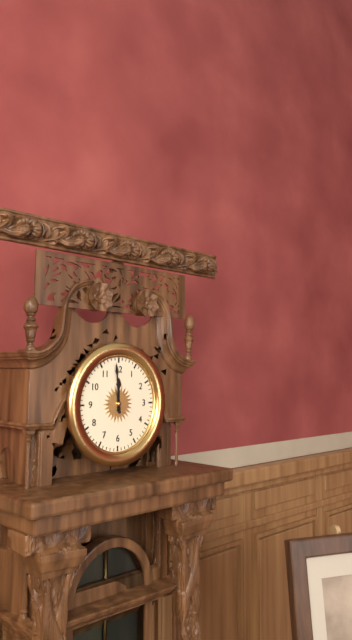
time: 11:59
